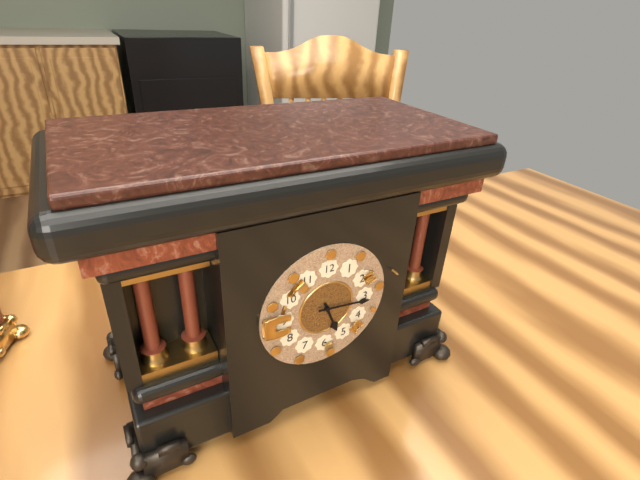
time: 5:16
